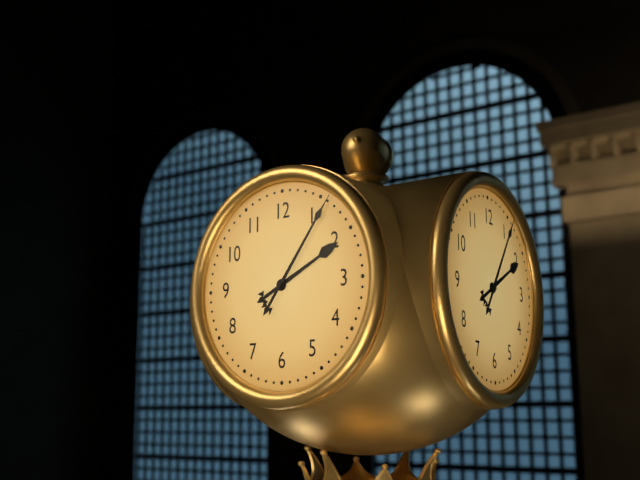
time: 2:06
